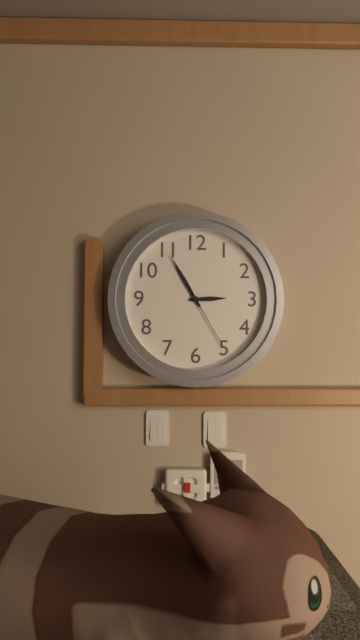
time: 2:55:25
